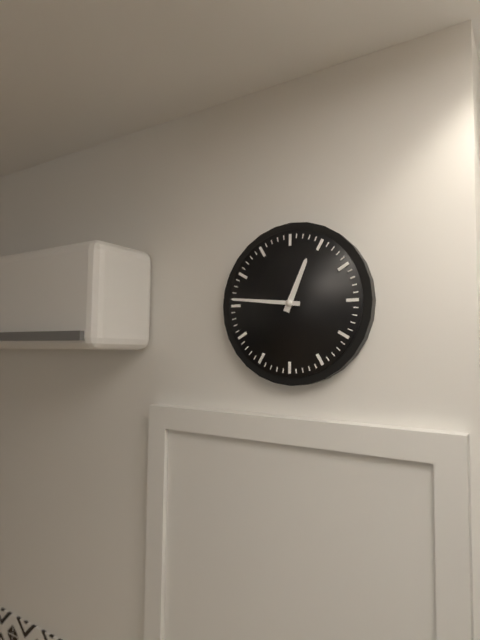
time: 12:46
